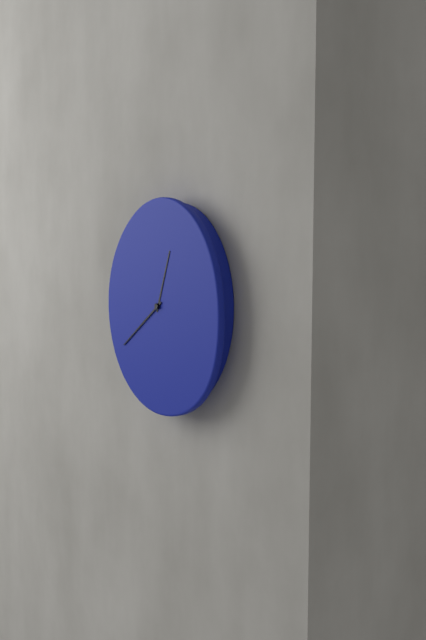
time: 12:39
